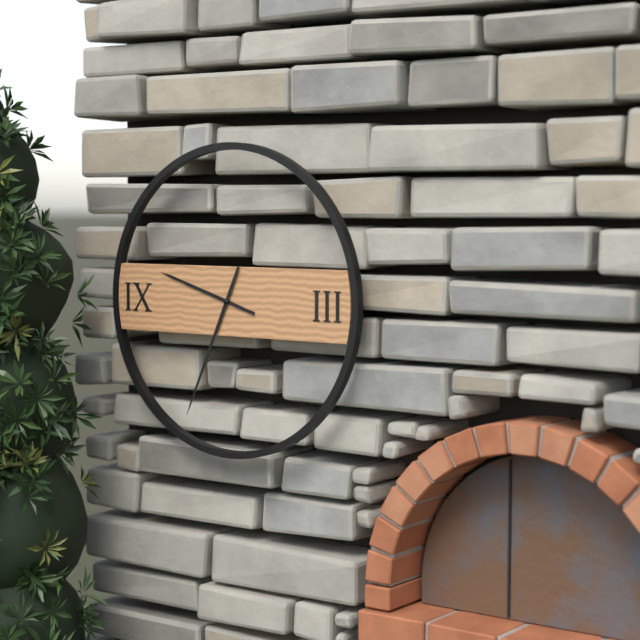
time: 9:34
